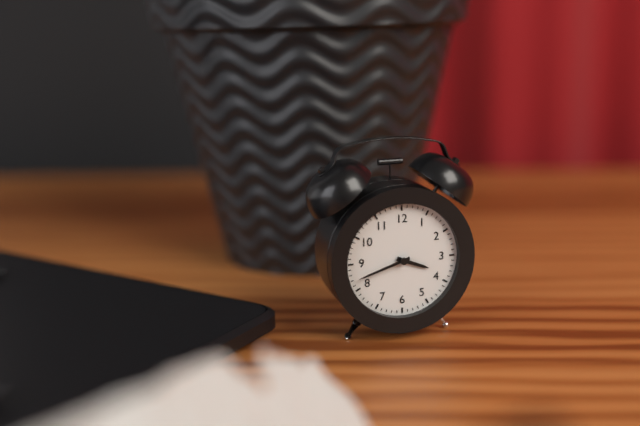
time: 3:42
